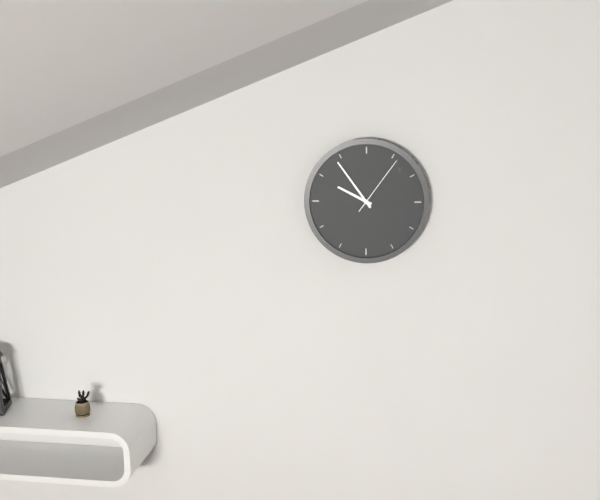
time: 9:54:06
